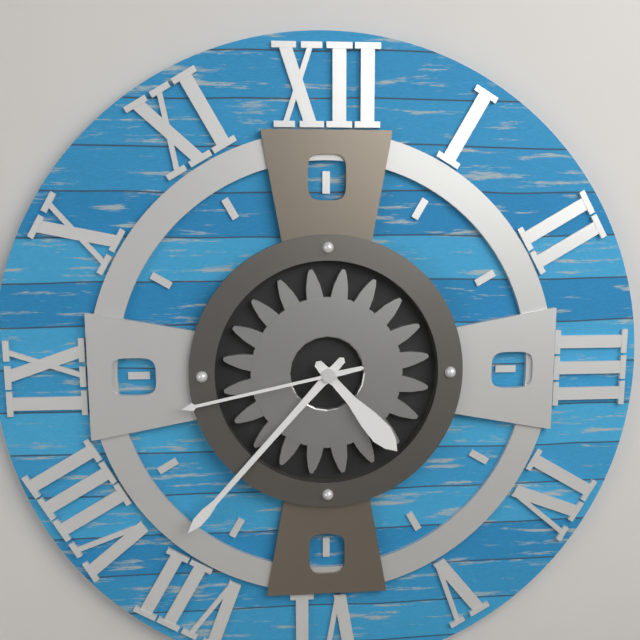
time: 4:37:43
